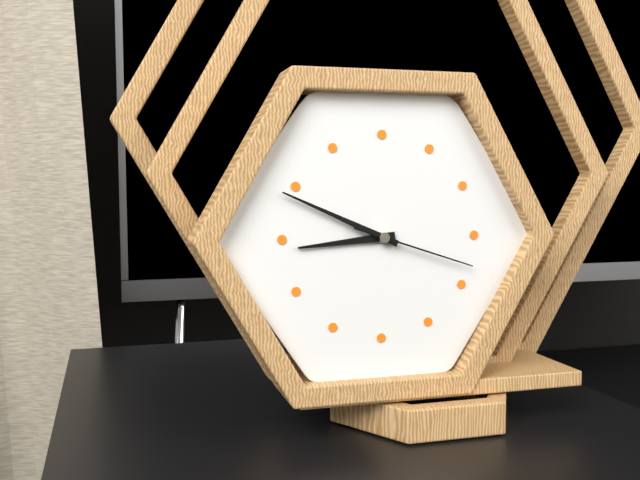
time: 8:49:18
